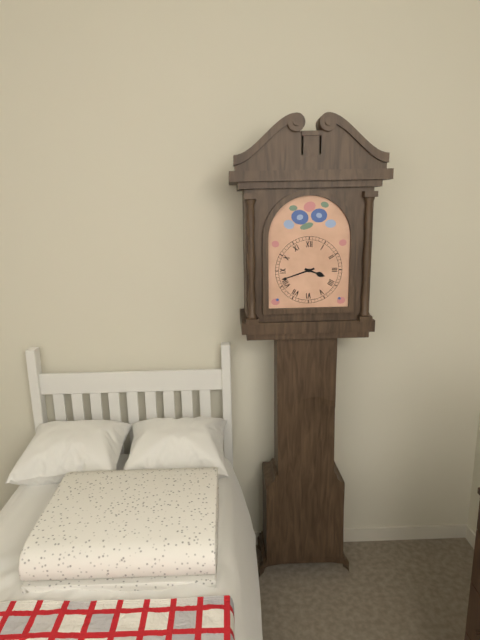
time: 3:42
